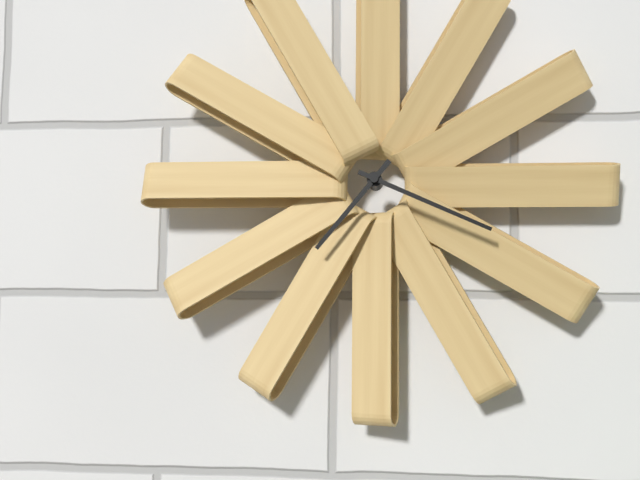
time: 7:19
